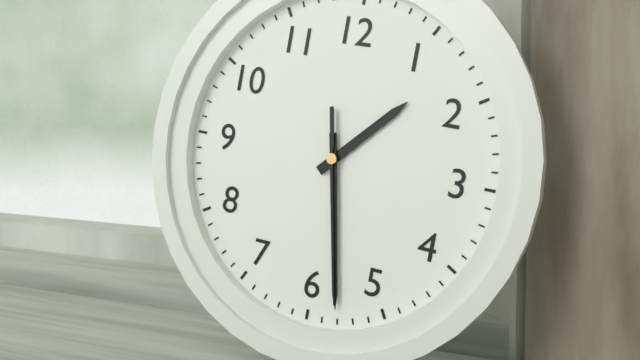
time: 1:28:28
